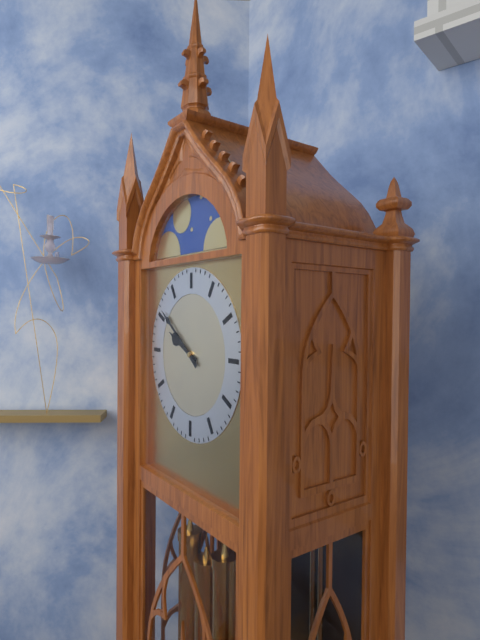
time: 9:51
